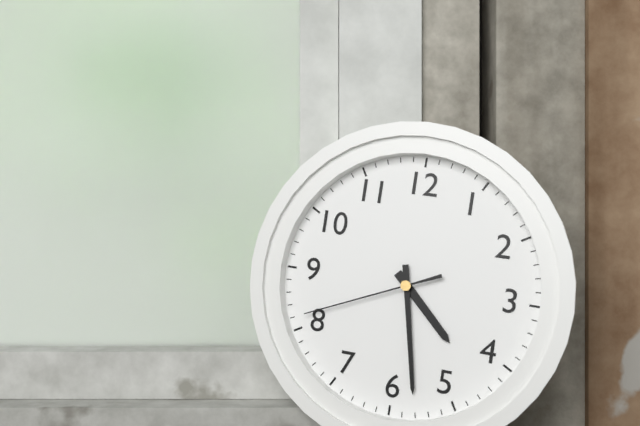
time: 4:28:41
